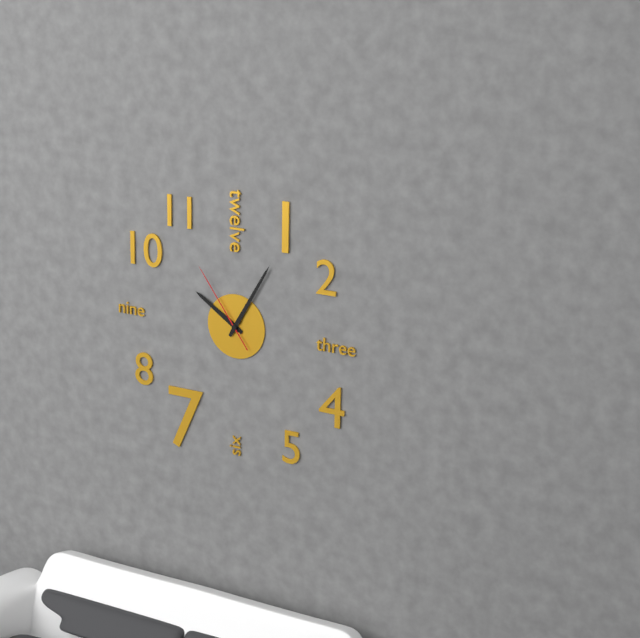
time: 10:05:54
